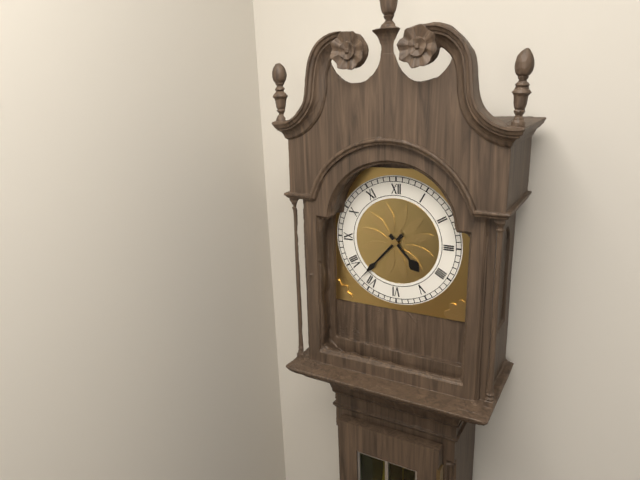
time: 4:37
